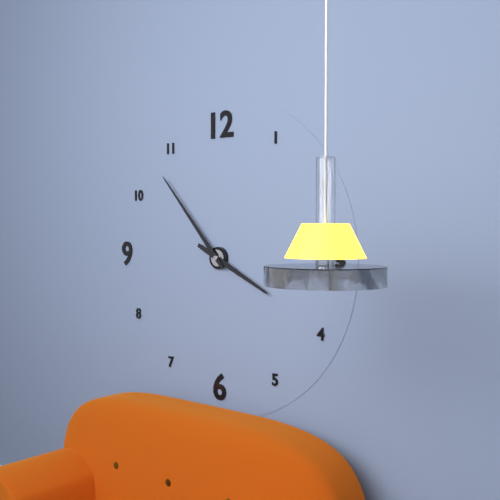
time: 3:53
